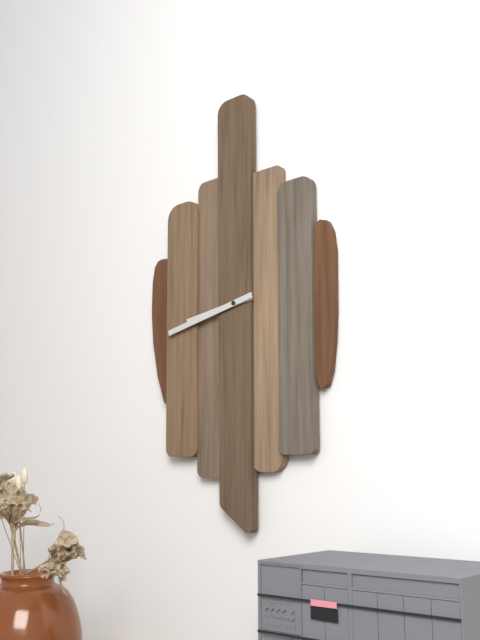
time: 8:43
